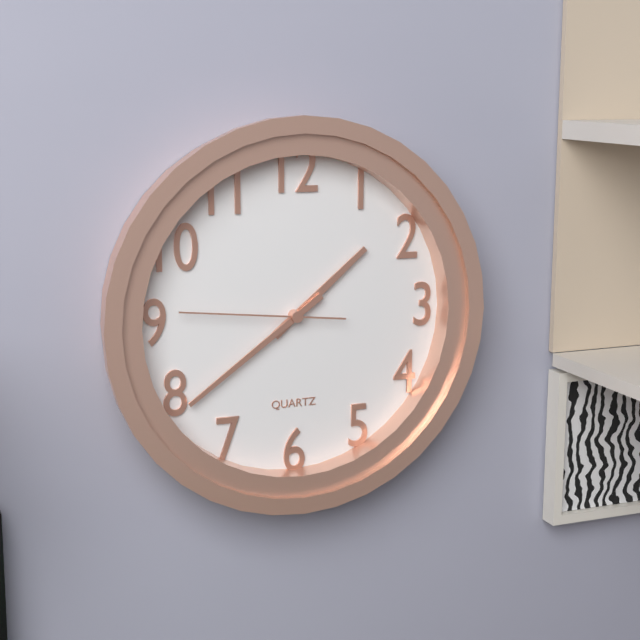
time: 1:39:46
